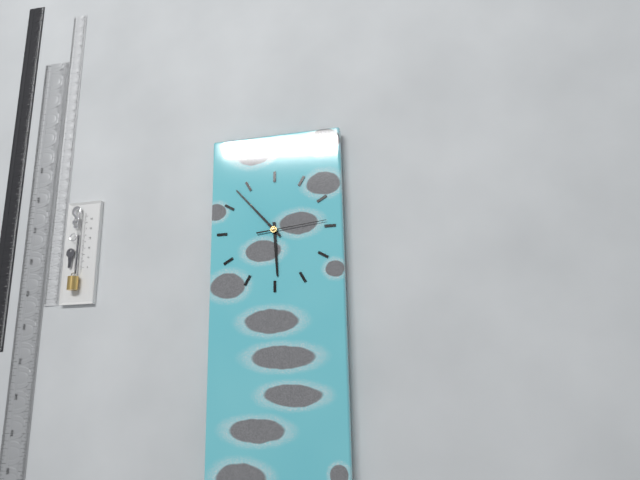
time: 5:53:14
